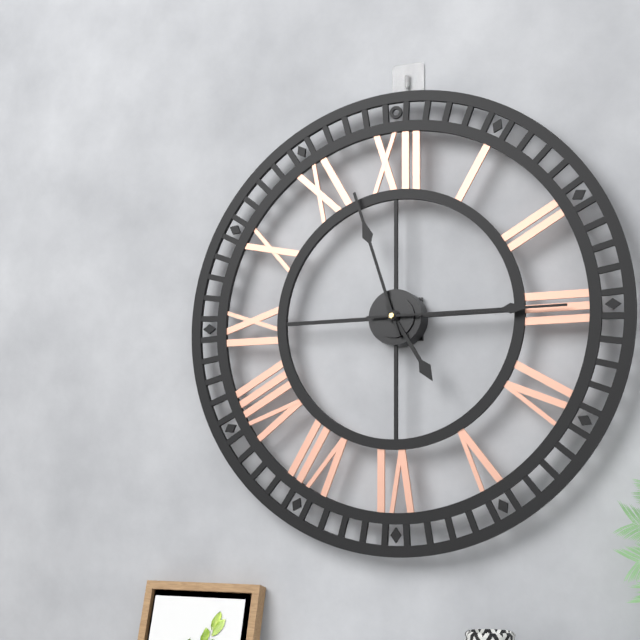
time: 4:57:15
